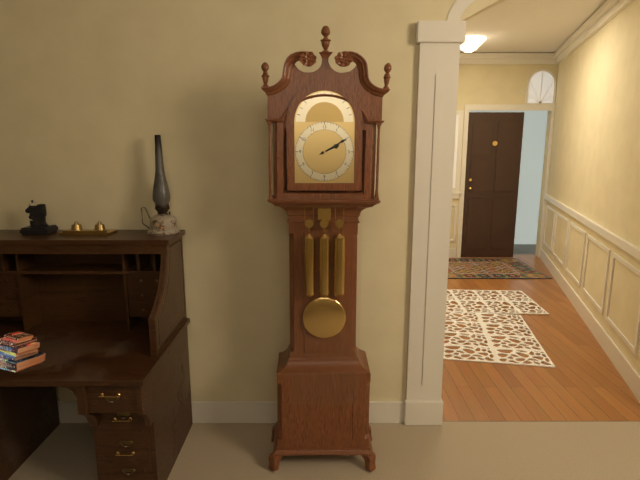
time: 2:10
